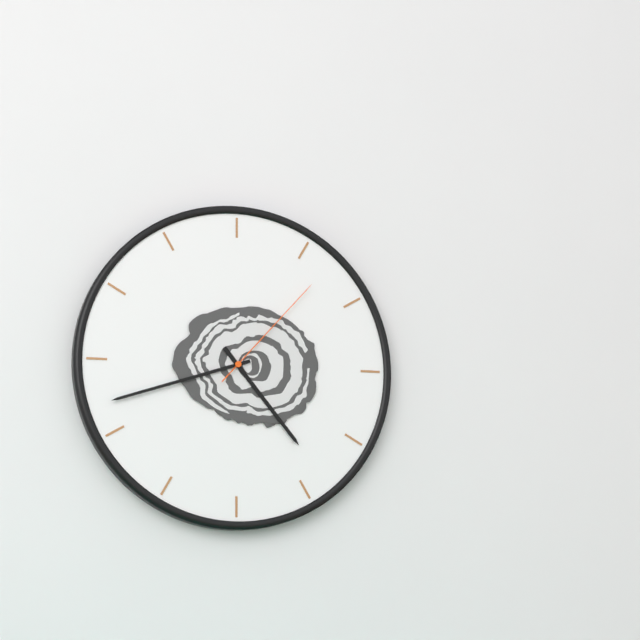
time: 4:42:07
